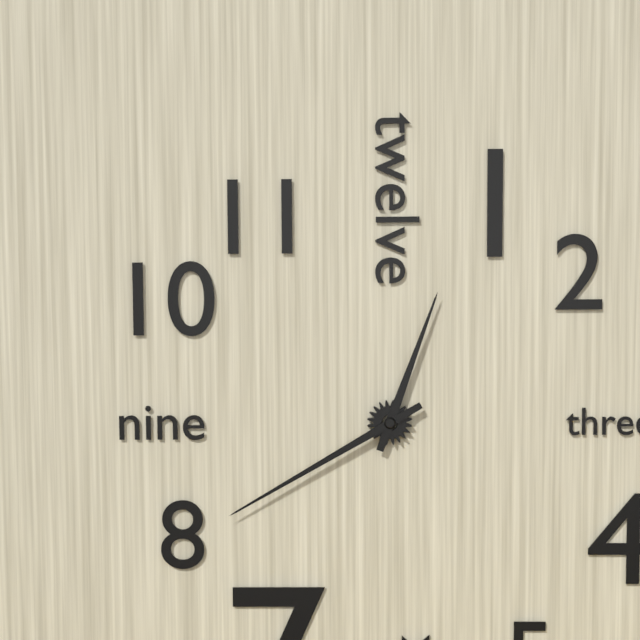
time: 12:40
